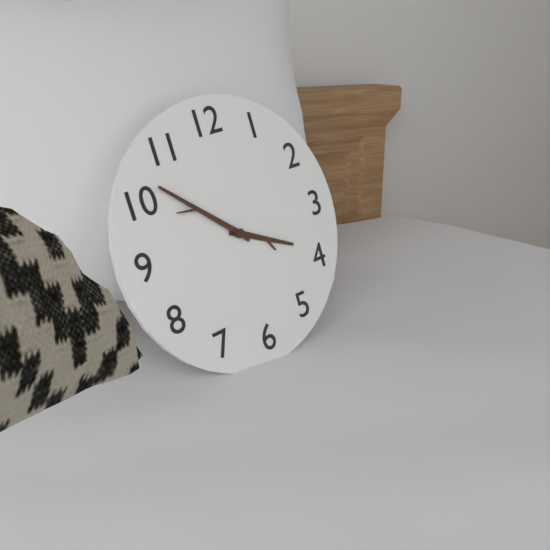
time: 3:52
